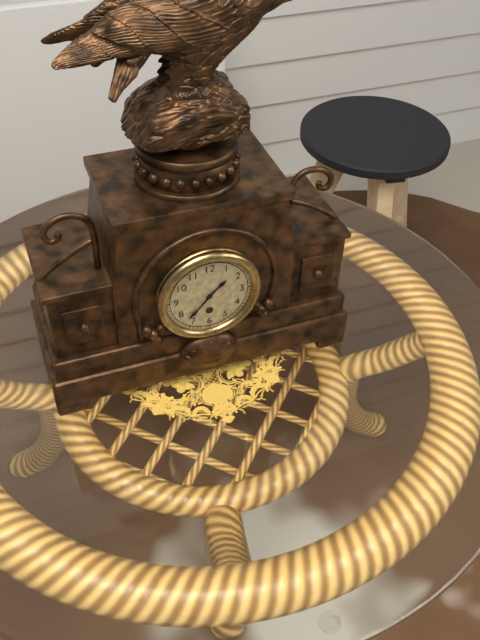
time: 1:37
